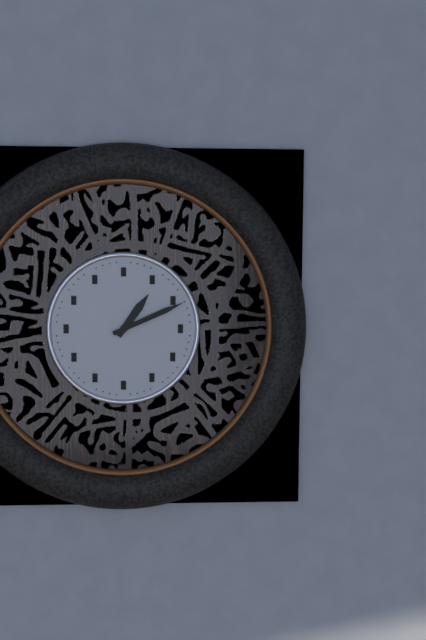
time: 1:11
